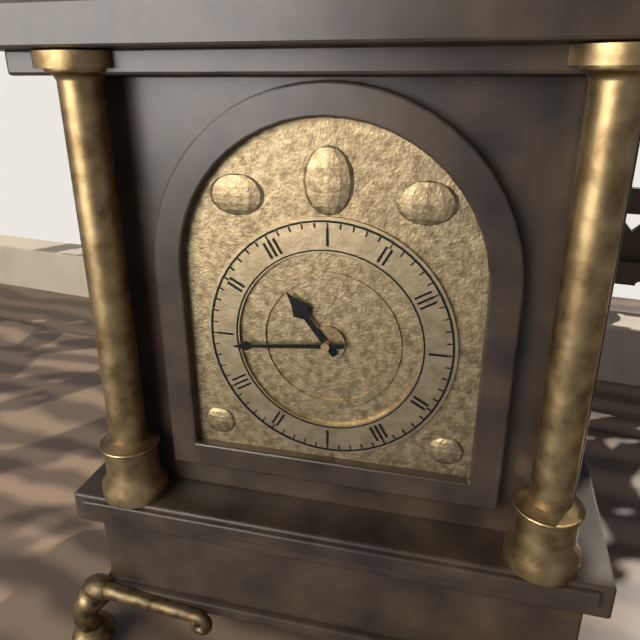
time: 10:44
